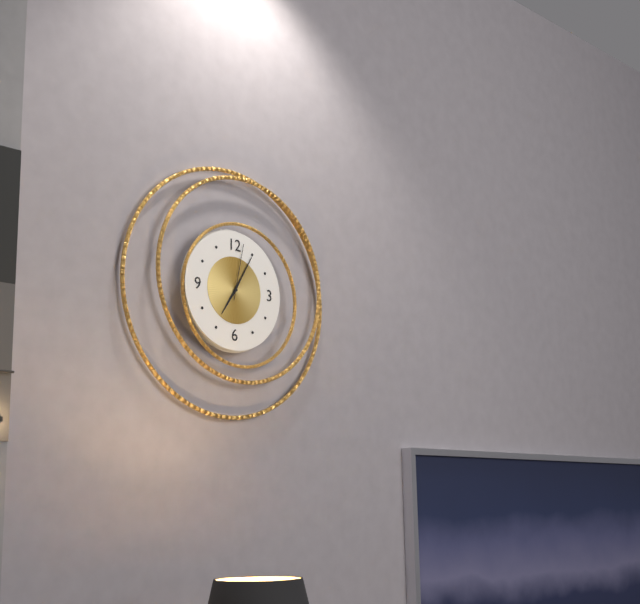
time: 7:05:02
